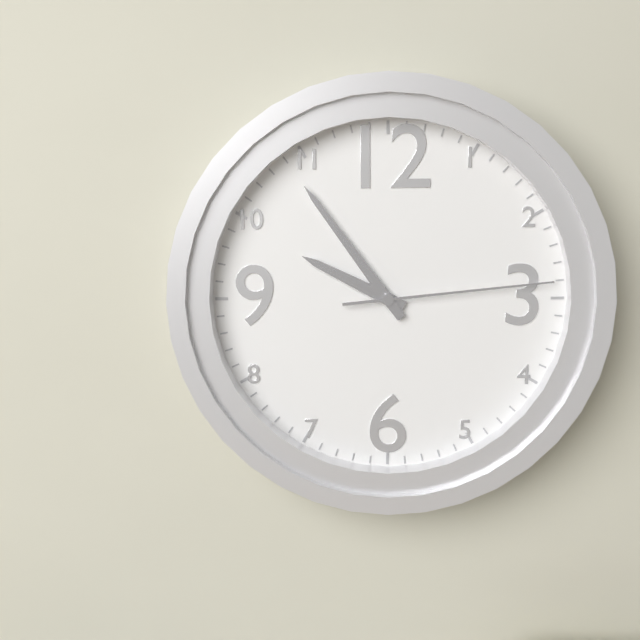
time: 9:54:14
